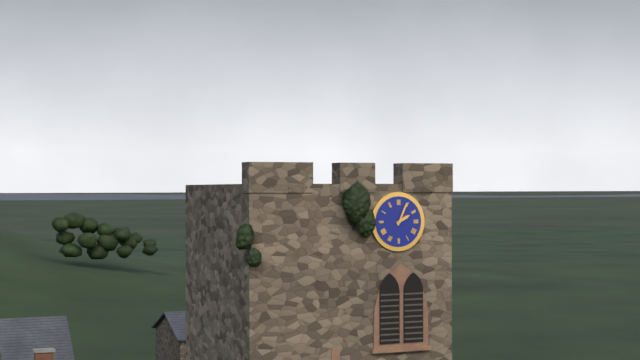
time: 2:04
